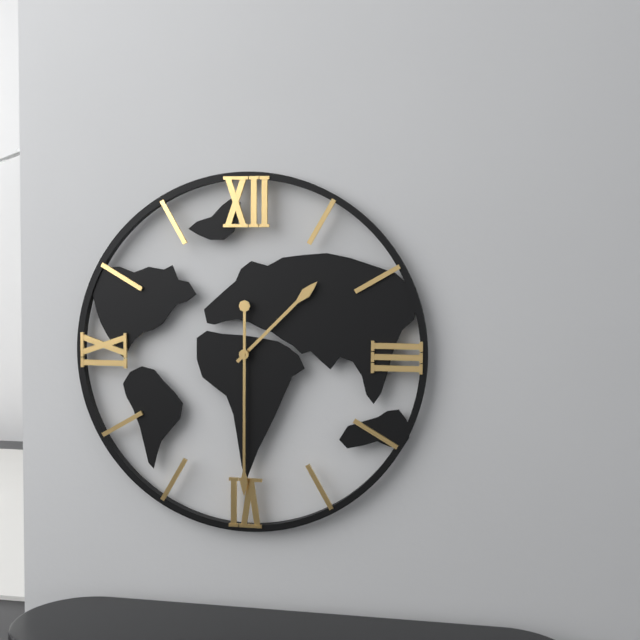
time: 1:30
